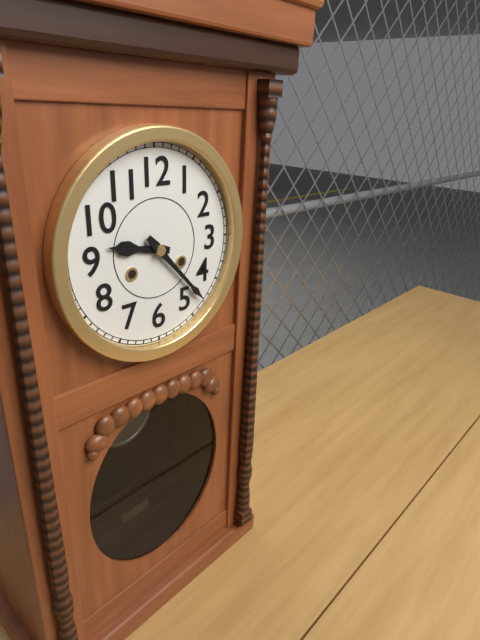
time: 9:23
